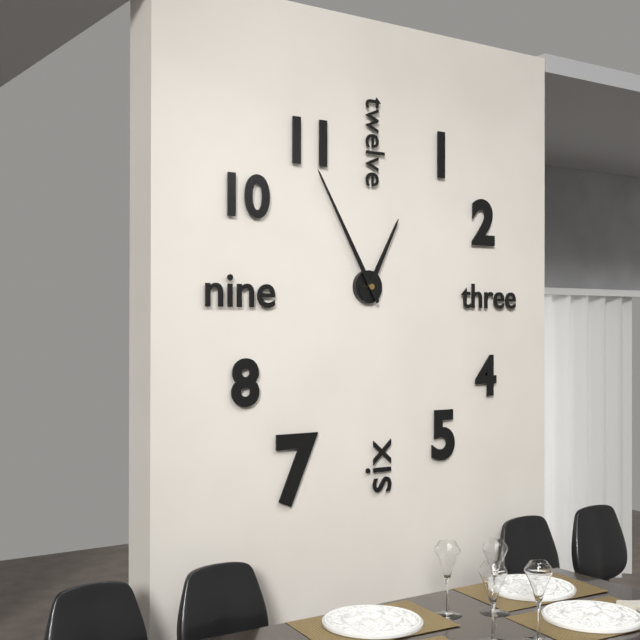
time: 12:55
